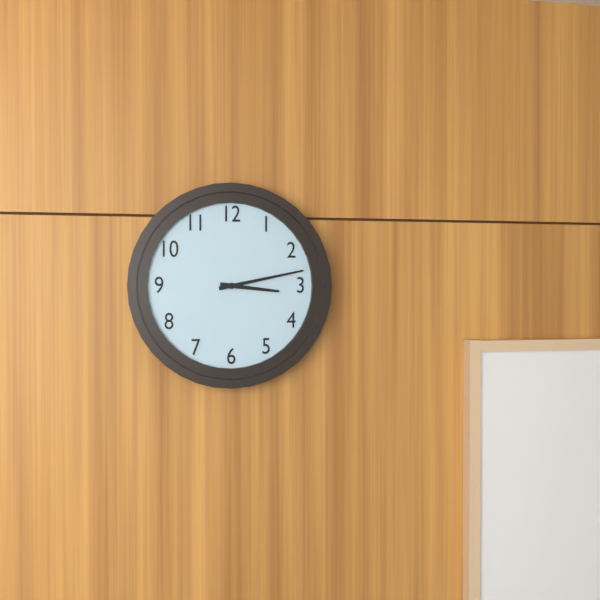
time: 3:13
